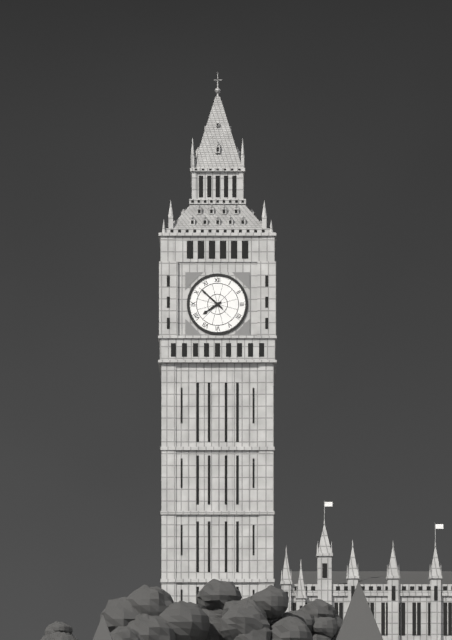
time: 7:52
